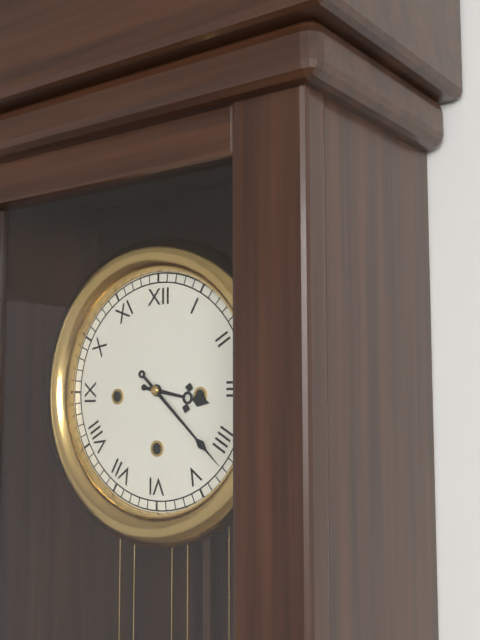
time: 3:22
